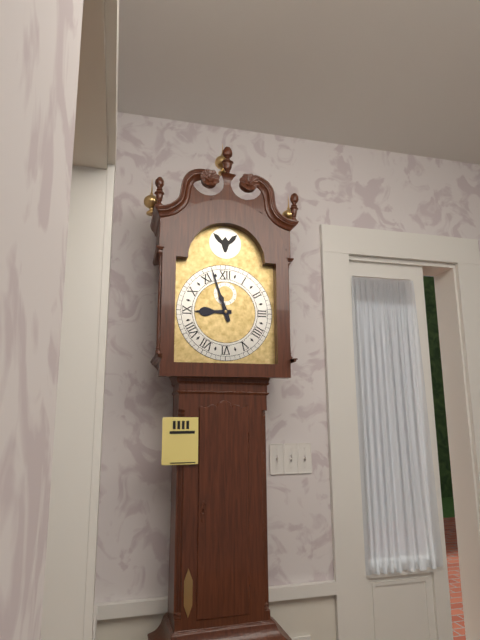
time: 8:57
